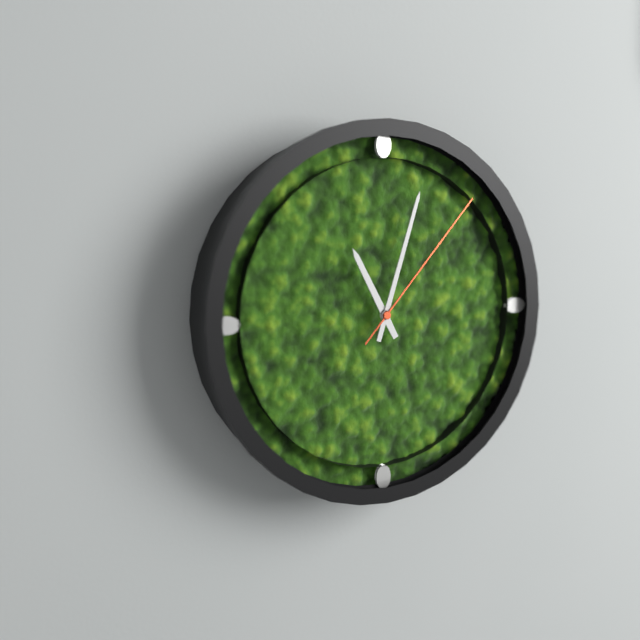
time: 11:03:07
